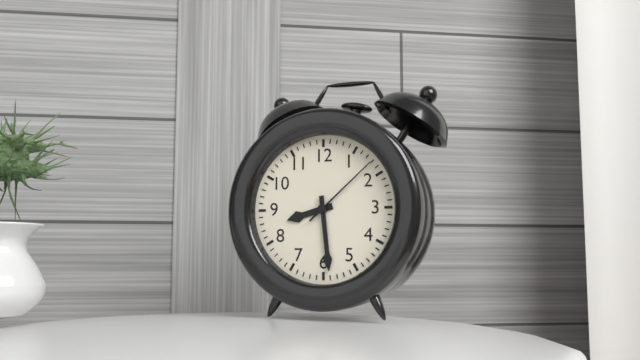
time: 8:29:08
